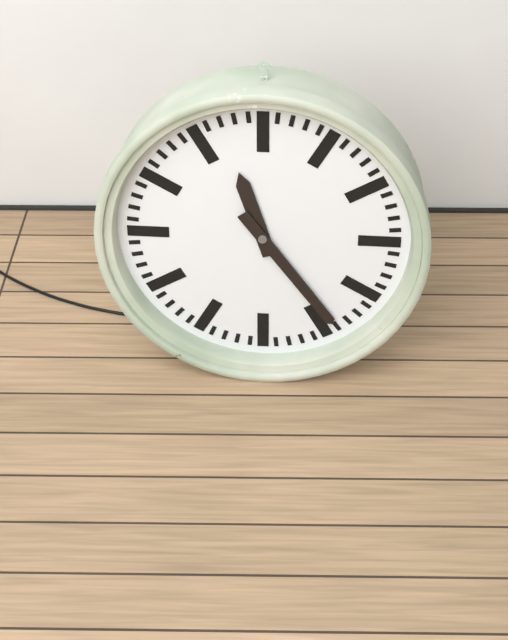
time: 11:24
